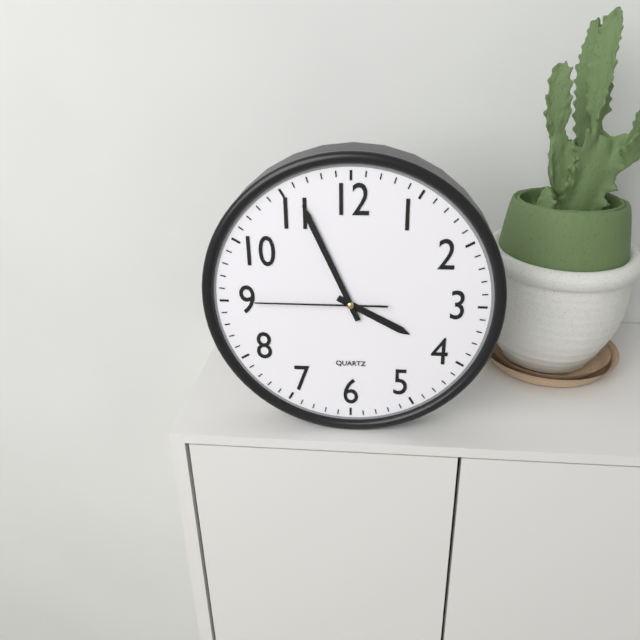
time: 3:56:45
